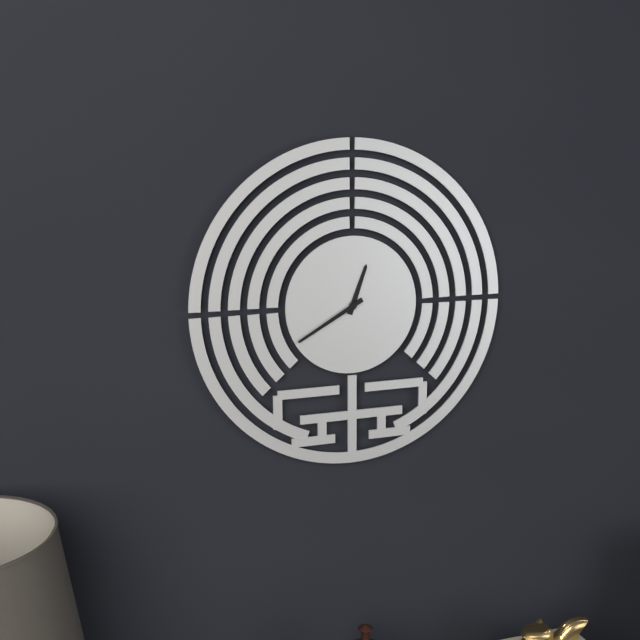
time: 12:40
